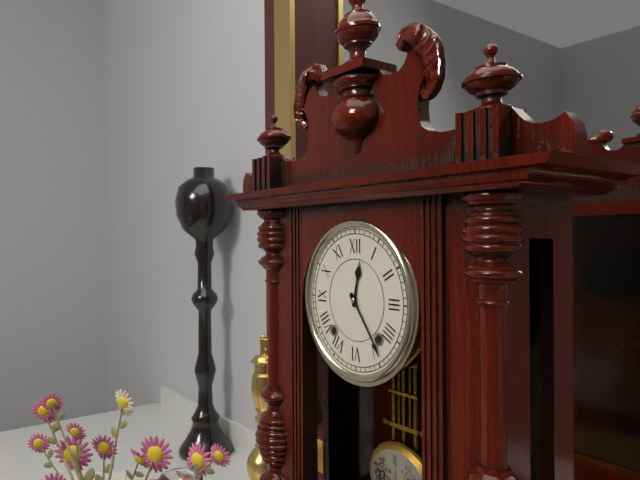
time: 12:24
